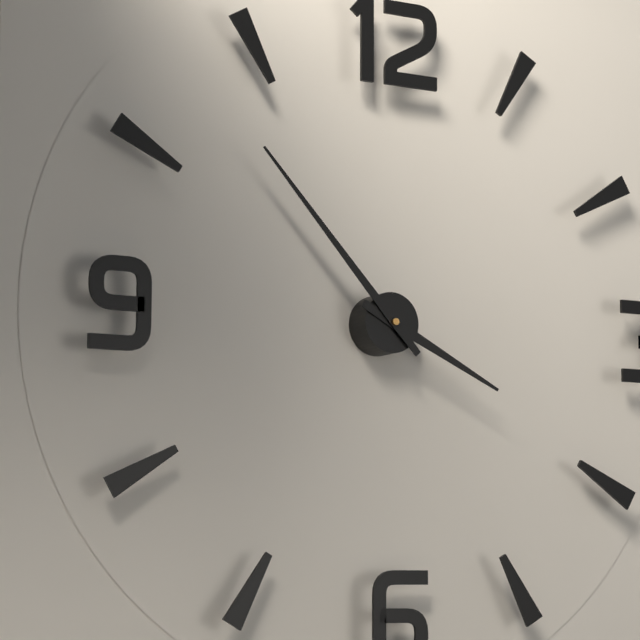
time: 3:53
